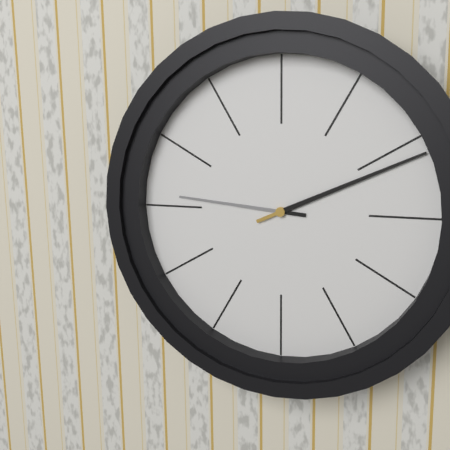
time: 9:11
